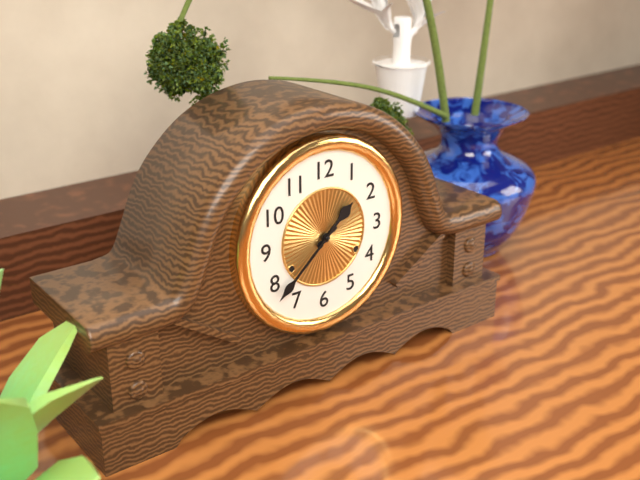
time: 1:38
